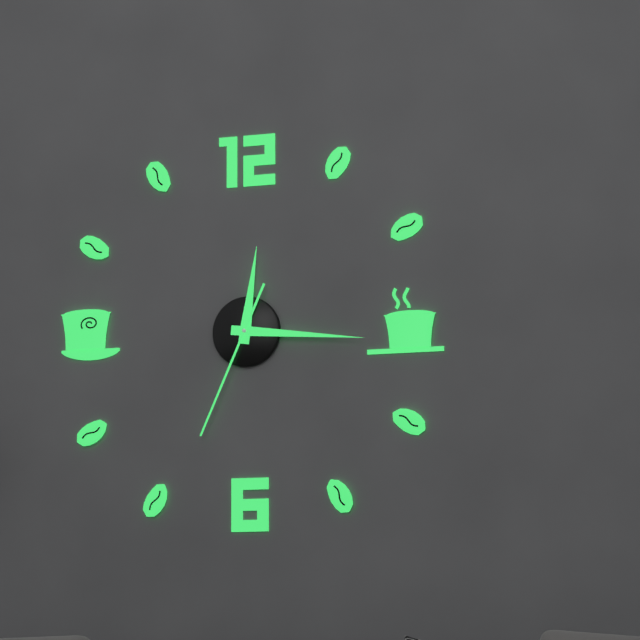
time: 12:16:34
